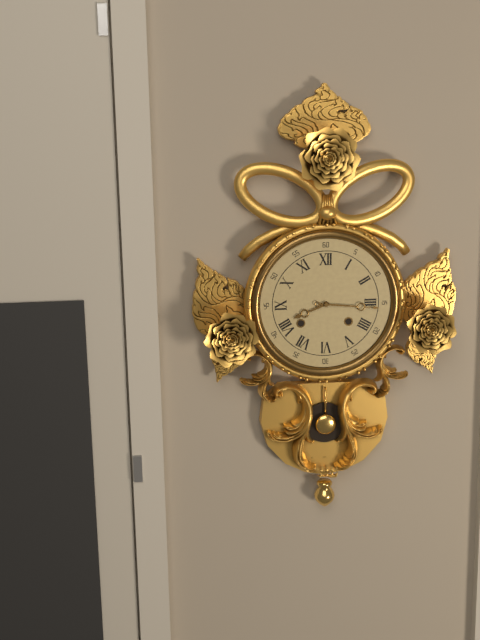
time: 8:16
